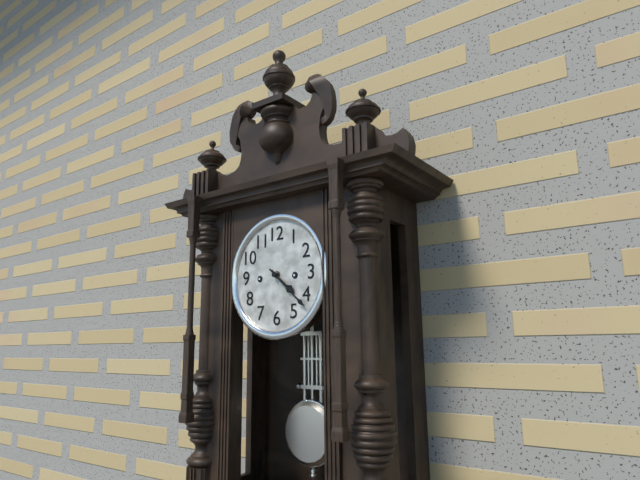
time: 4:22
